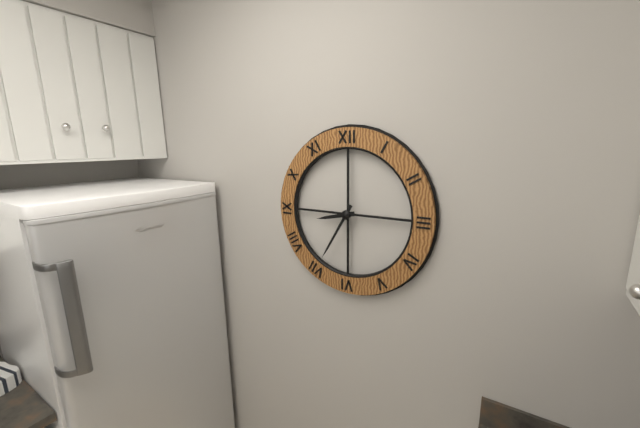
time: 8:35
